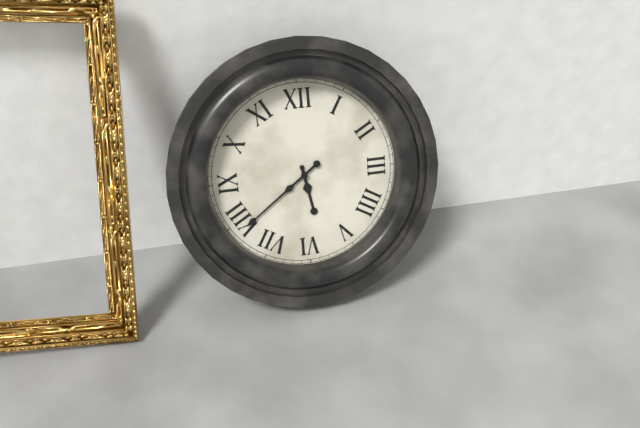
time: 5:39
